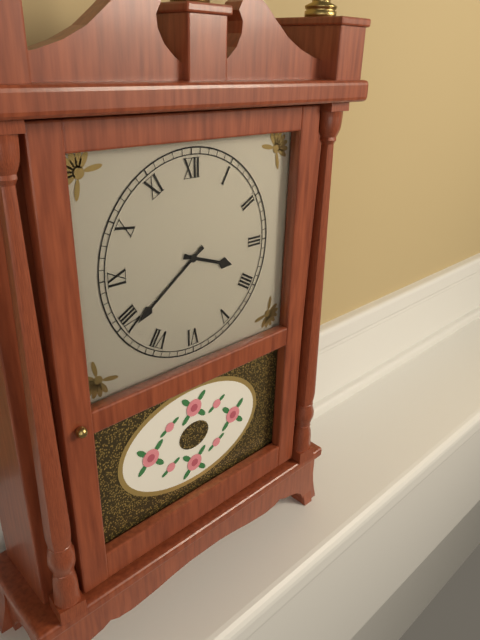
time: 3:39
